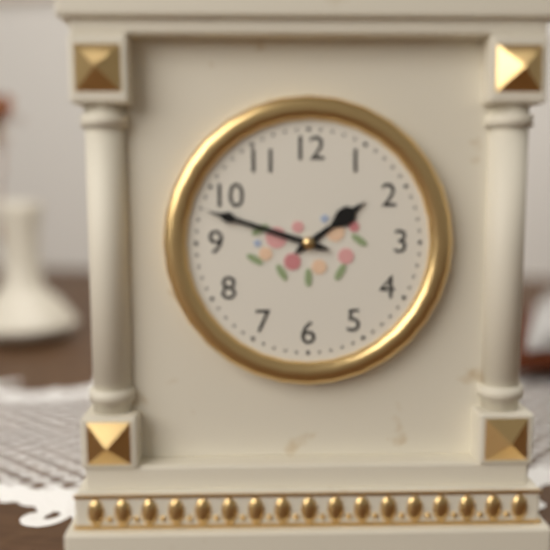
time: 1:48
